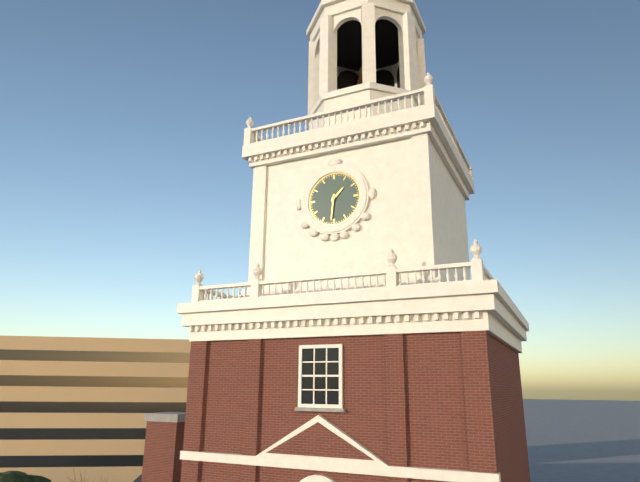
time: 1:31
